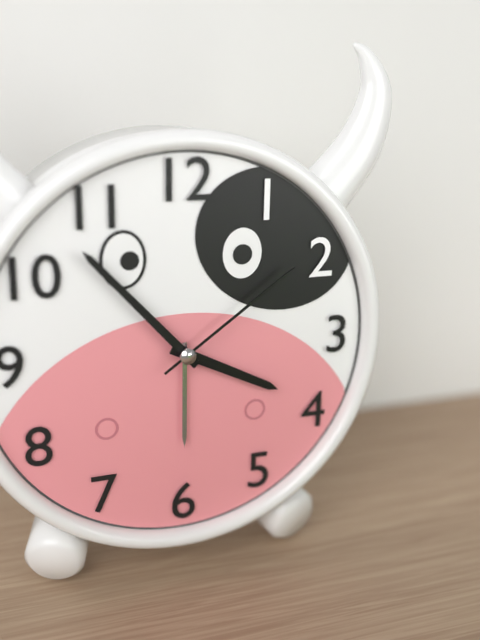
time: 3:53:09
